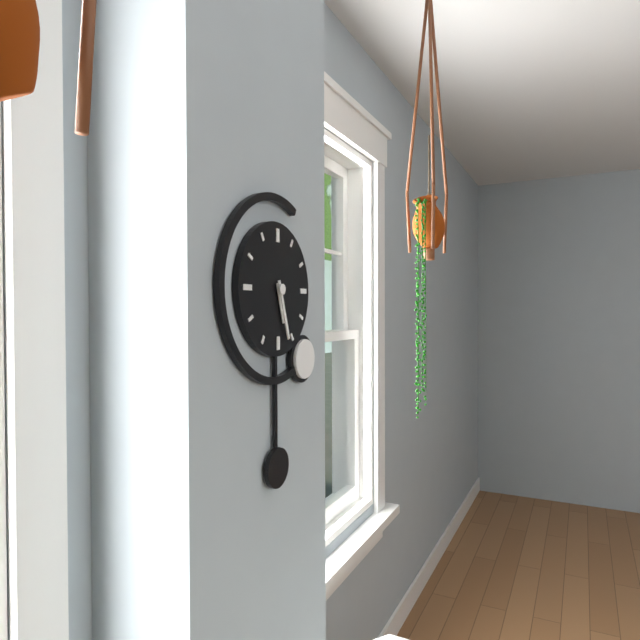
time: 5:27
